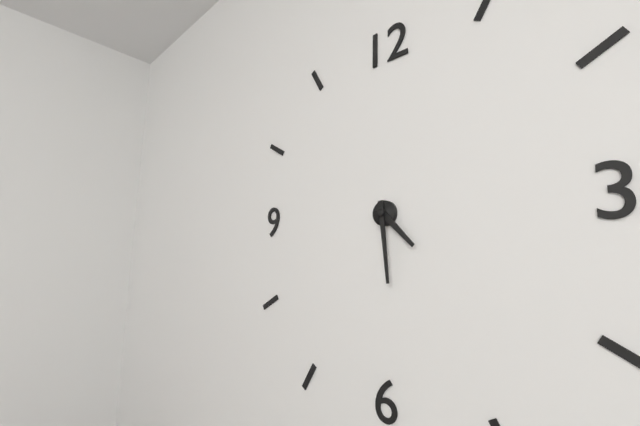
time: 4:29
